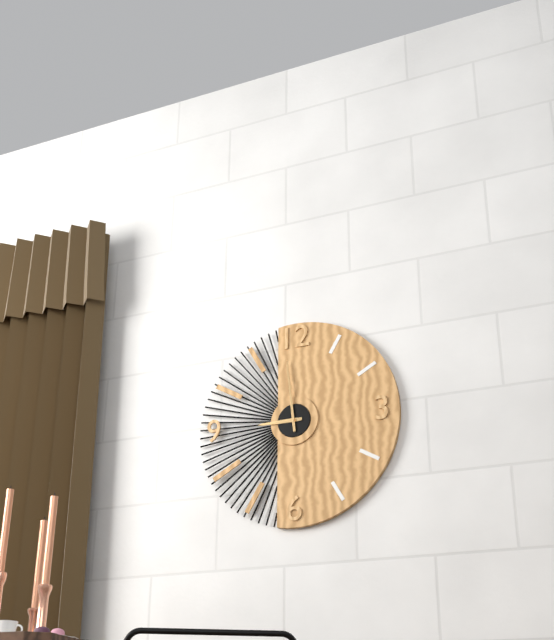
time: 8:59
